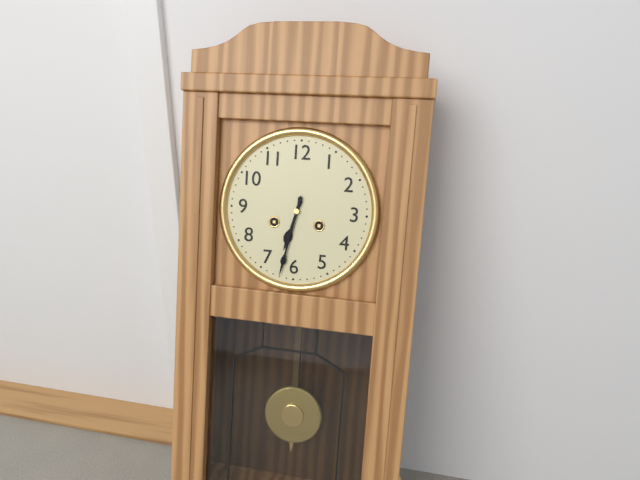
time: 6:32
